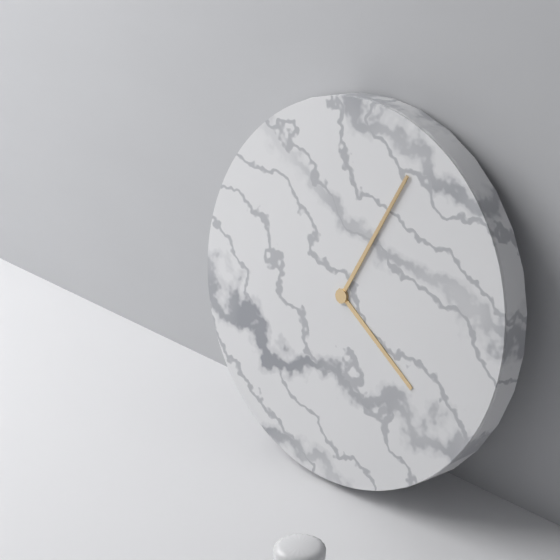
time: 4:04
